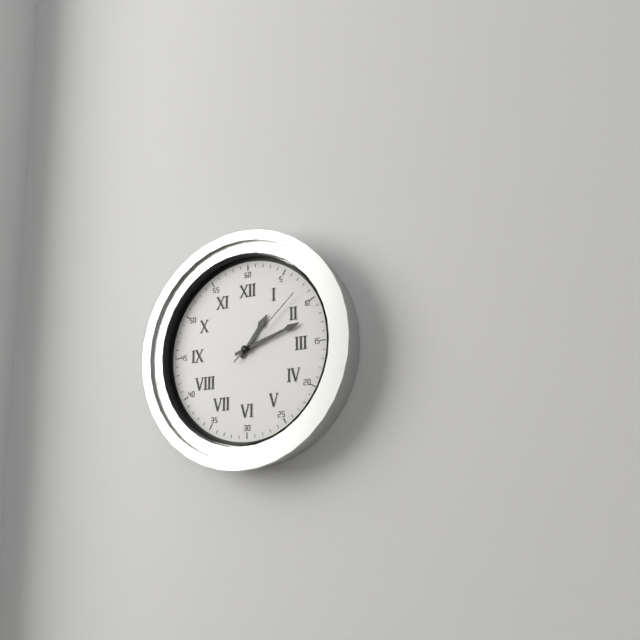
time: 1:12:08
